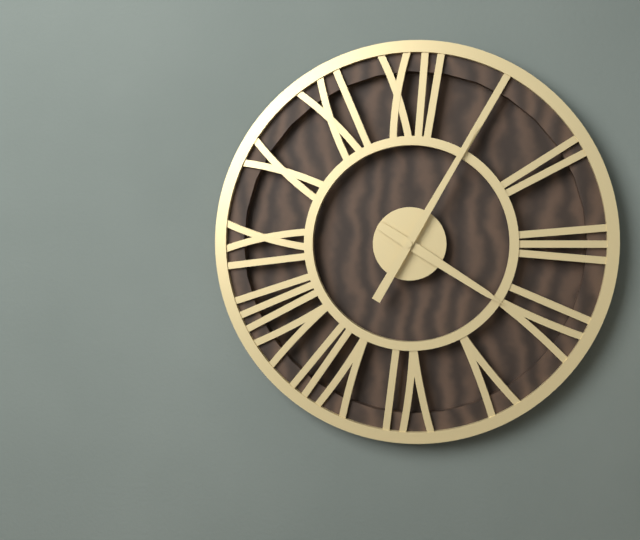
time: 4:05
